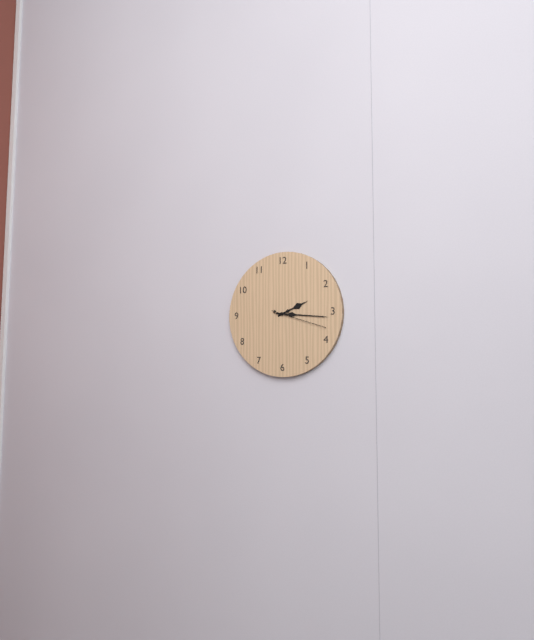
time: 2:16:18
